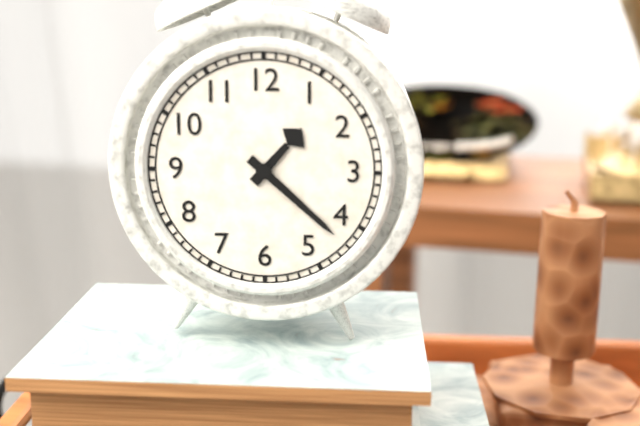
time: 1:22
